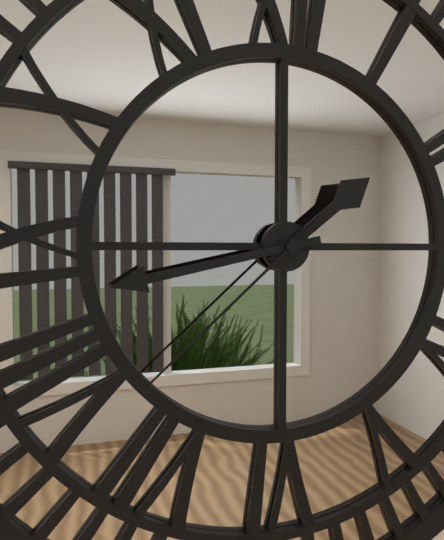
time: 1:43:38
